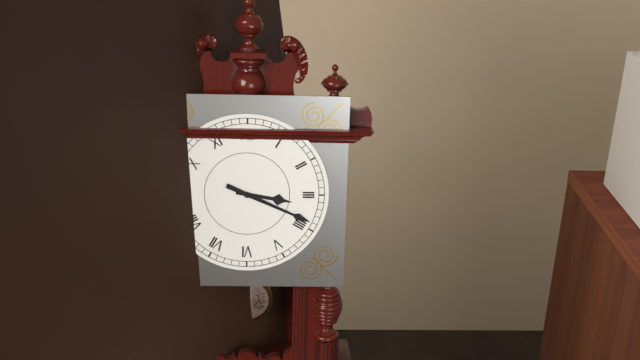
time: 3:19
